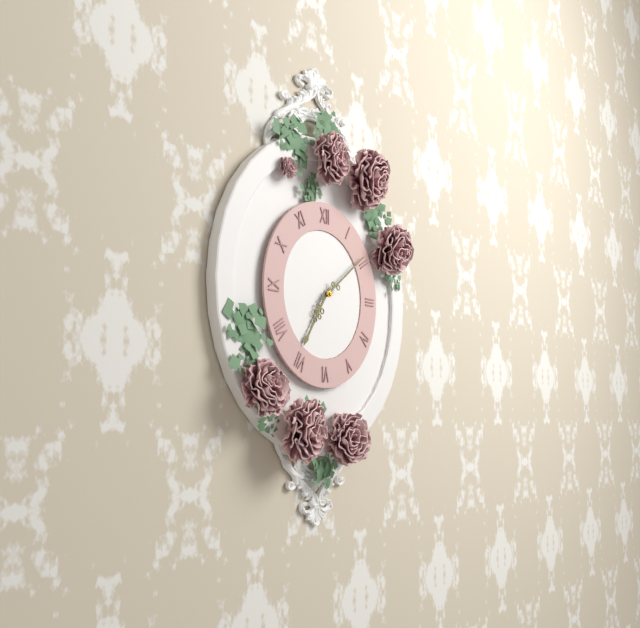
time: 7:09
